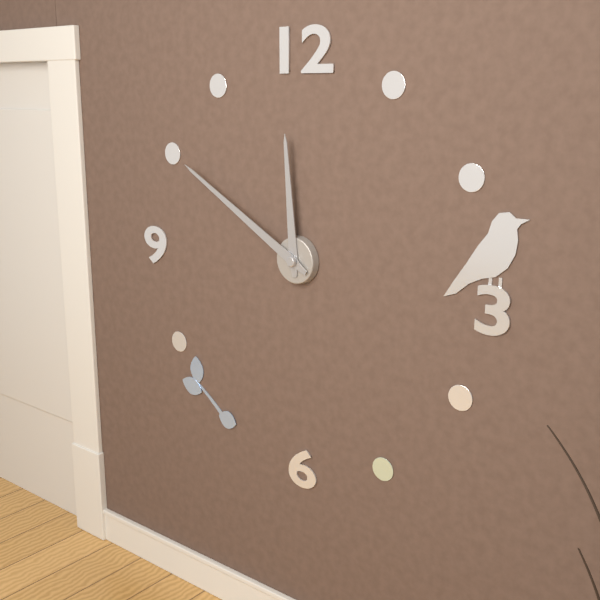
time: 11:50
